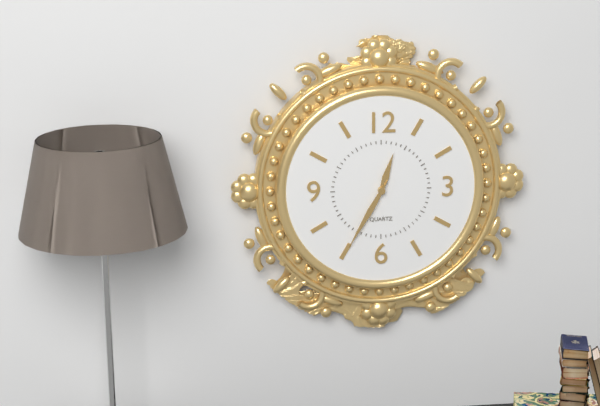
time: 12:35
